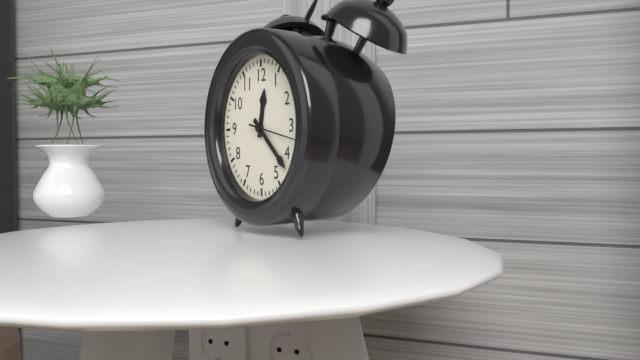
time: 12:22
